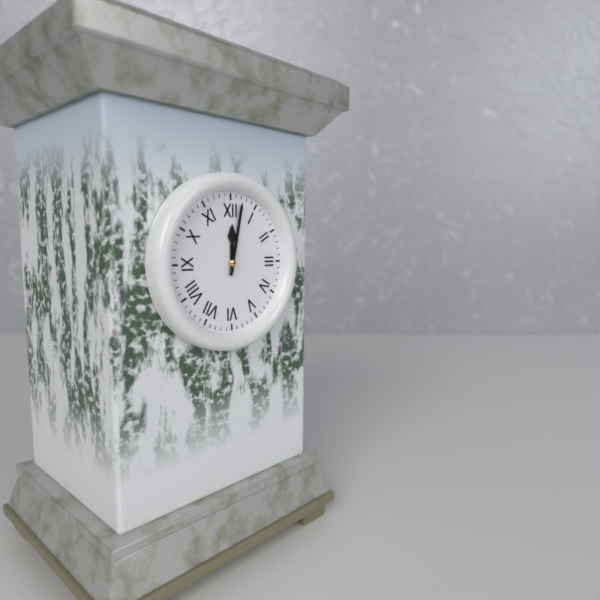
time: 12:02
